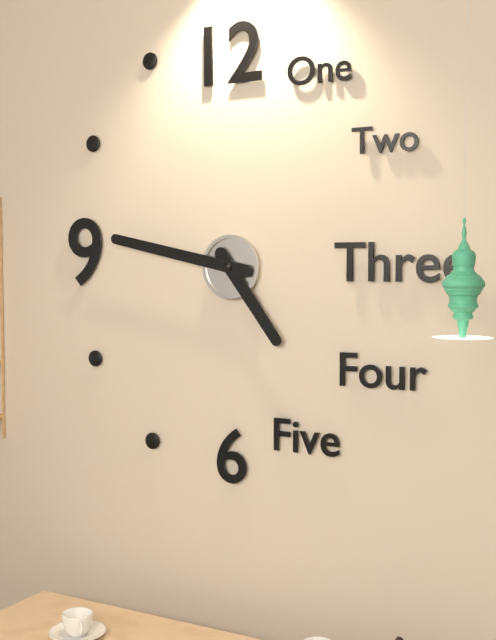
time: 4:47
